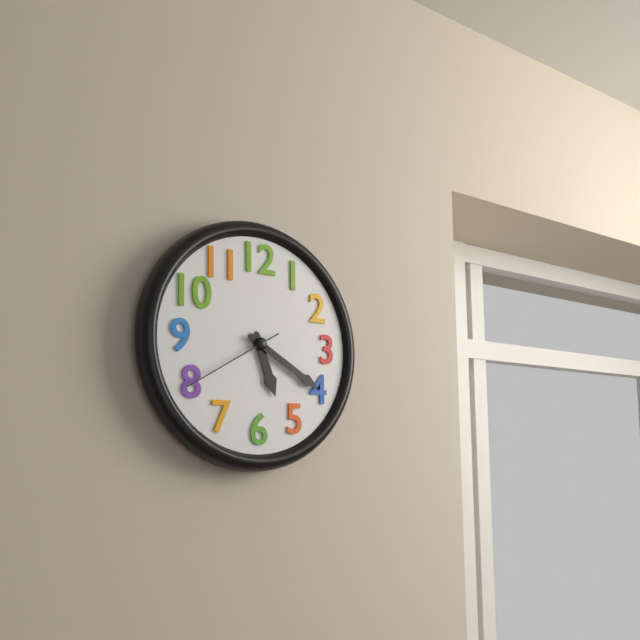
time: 5:20:40
